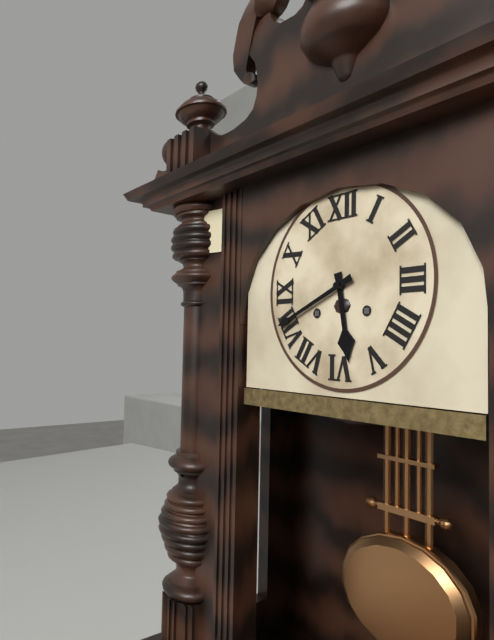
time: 5:41
